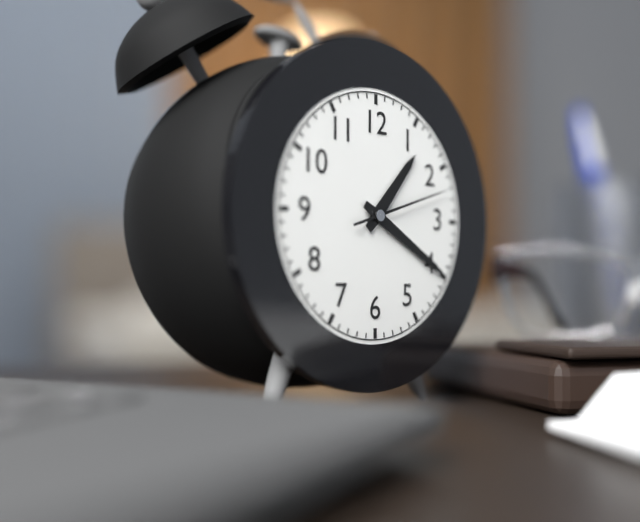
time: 1:20:12
